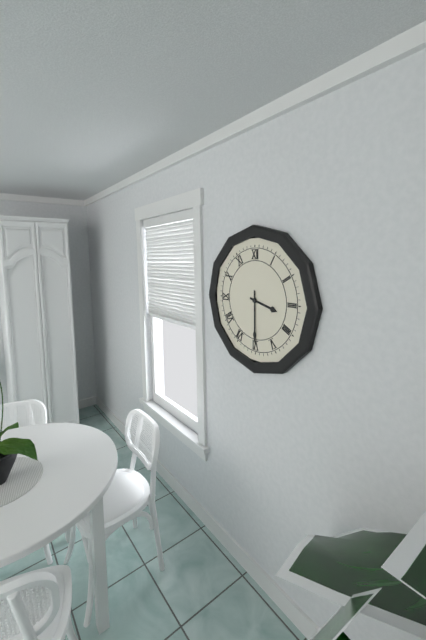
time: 3:30
